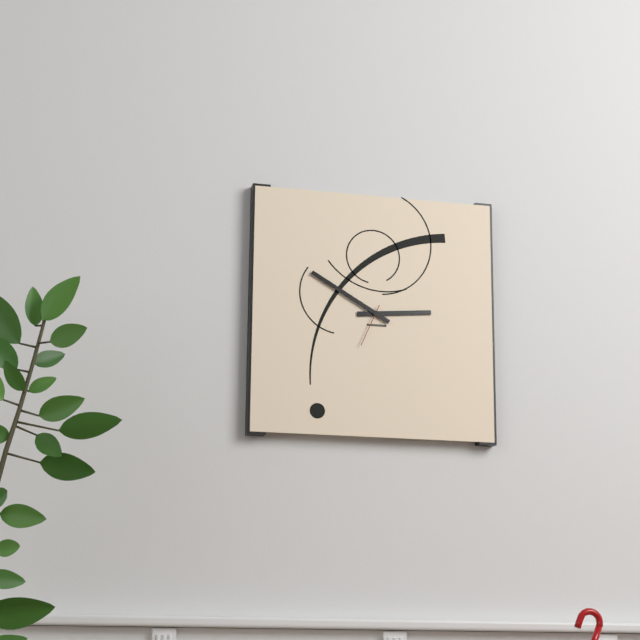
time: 2:50
